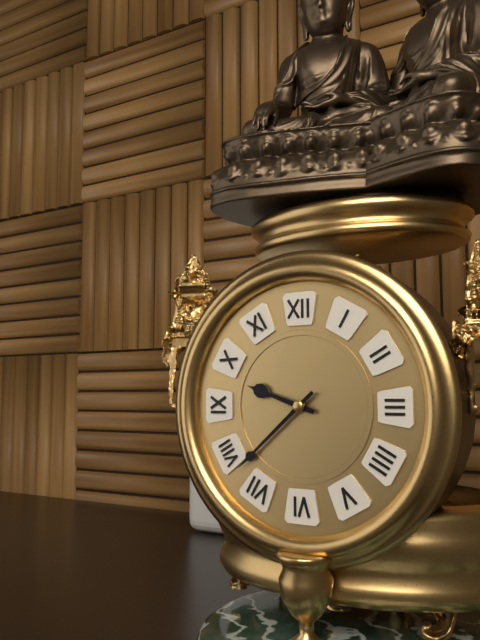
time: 9:38
